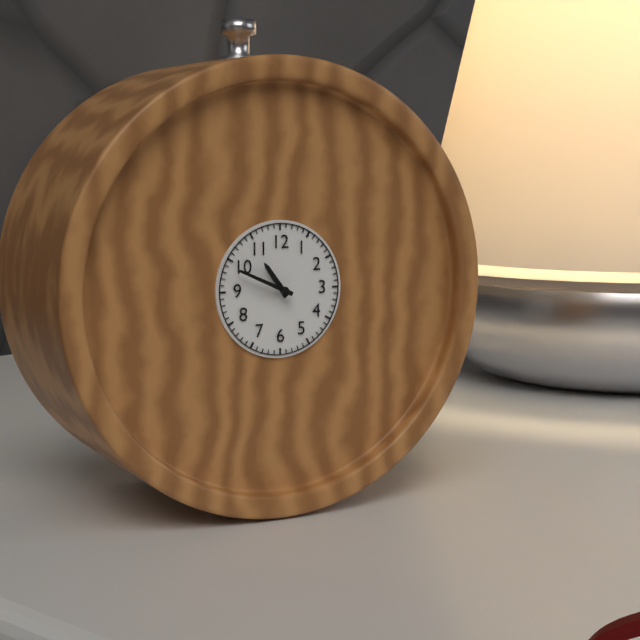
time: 10:49
